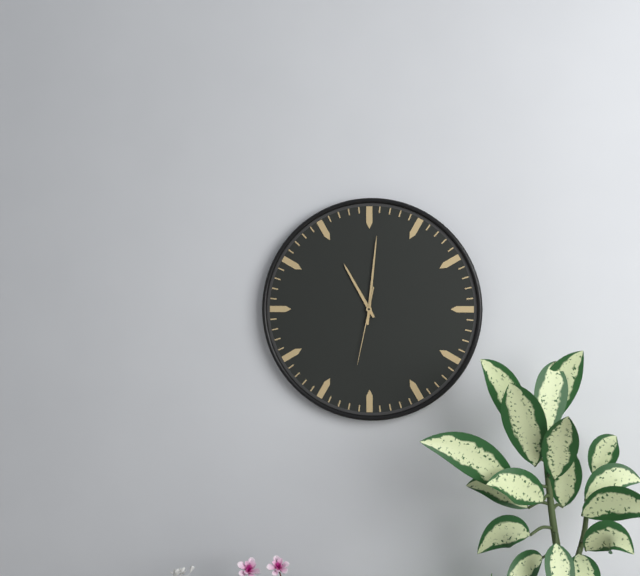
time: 11:01:32
